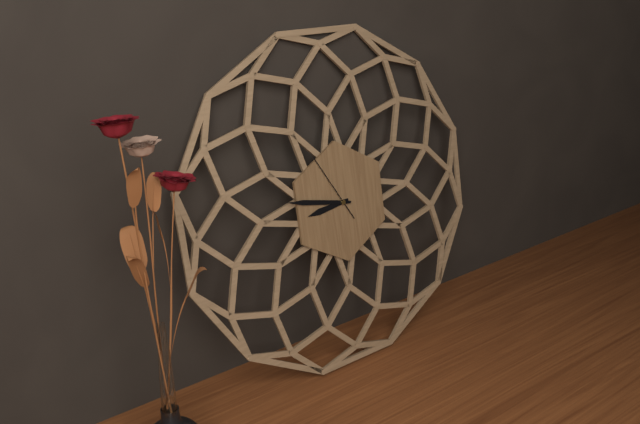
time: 8:47:55
